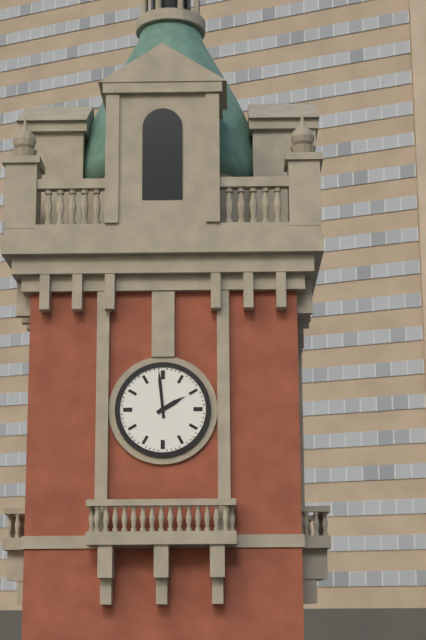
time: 1:59
